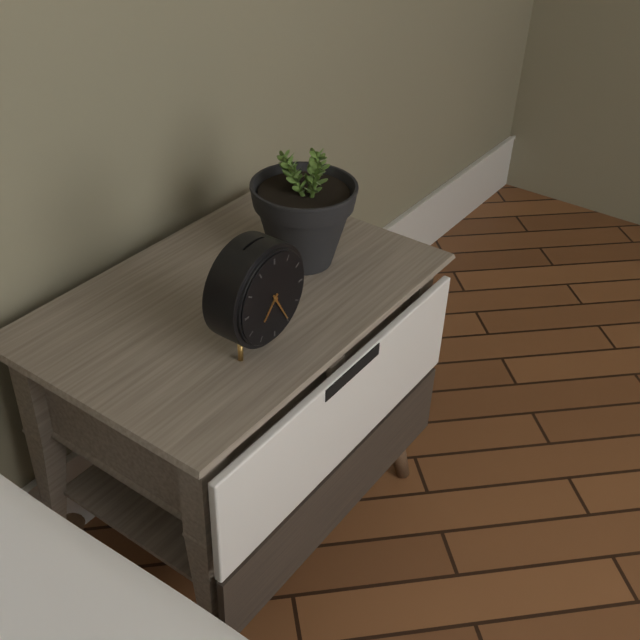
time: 7:25
